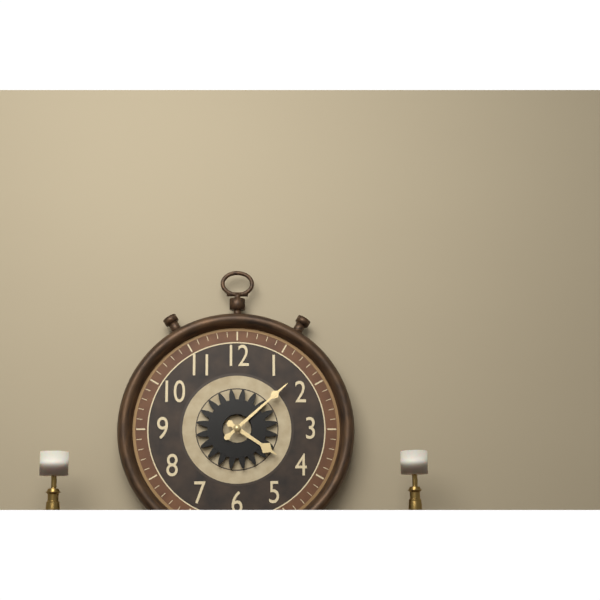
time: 4:08
